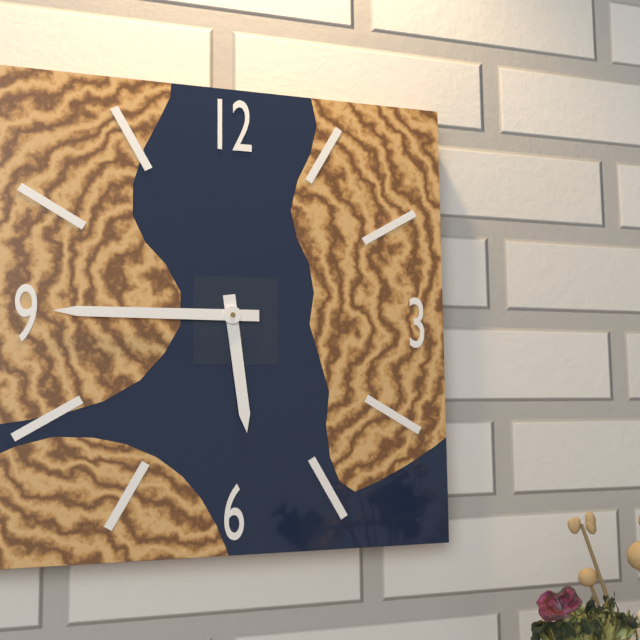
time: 5:45
